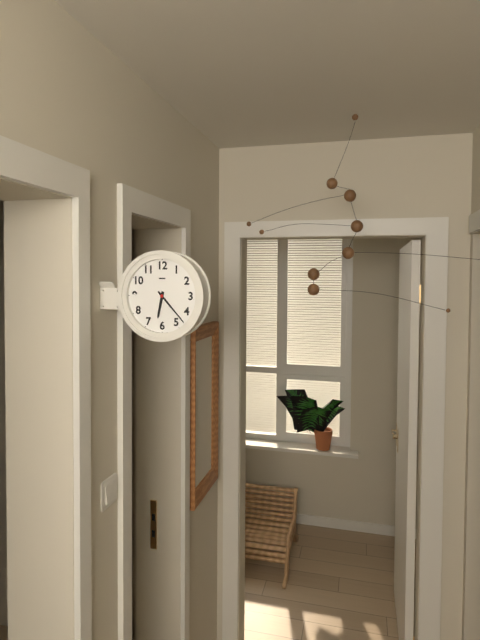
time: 6:23
